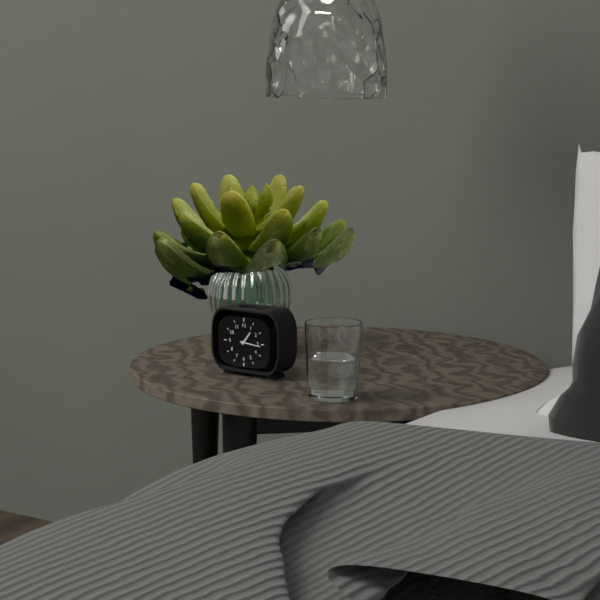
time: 1:16
